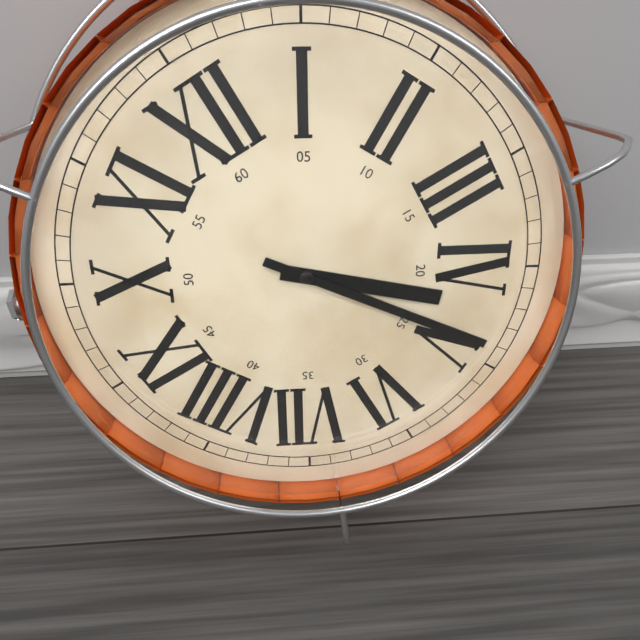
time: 4:24
